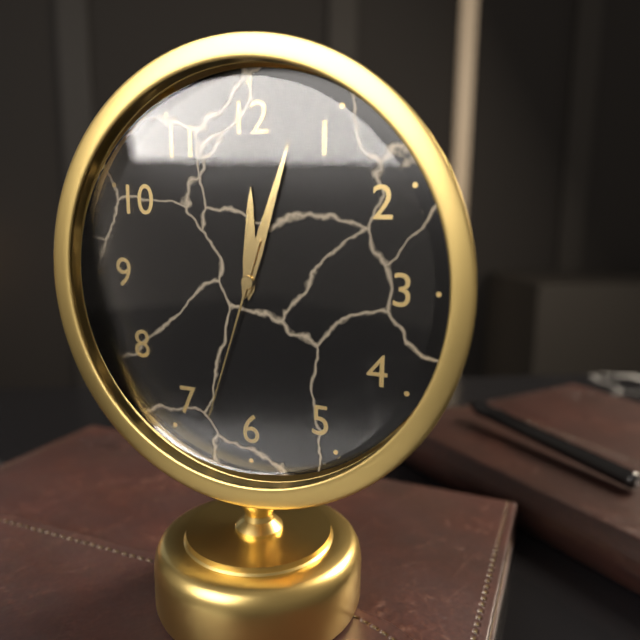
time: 12:03:33
